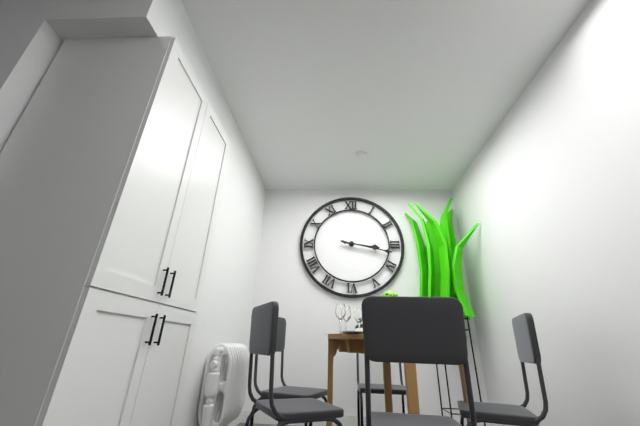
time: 3:17
